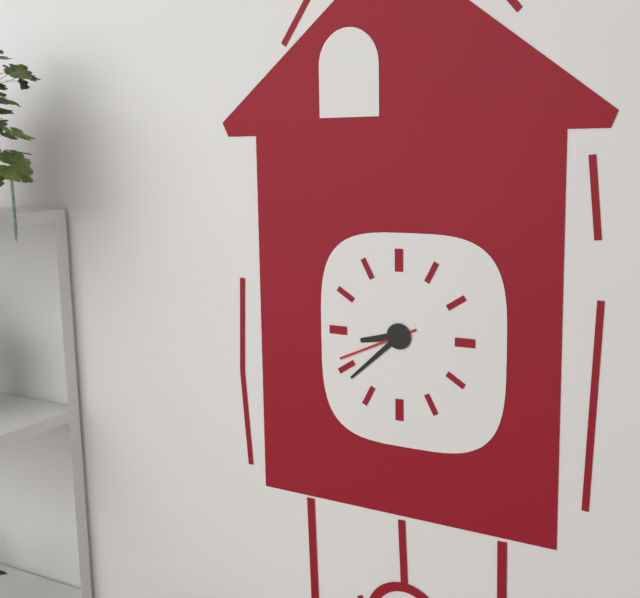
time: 8:38:41
